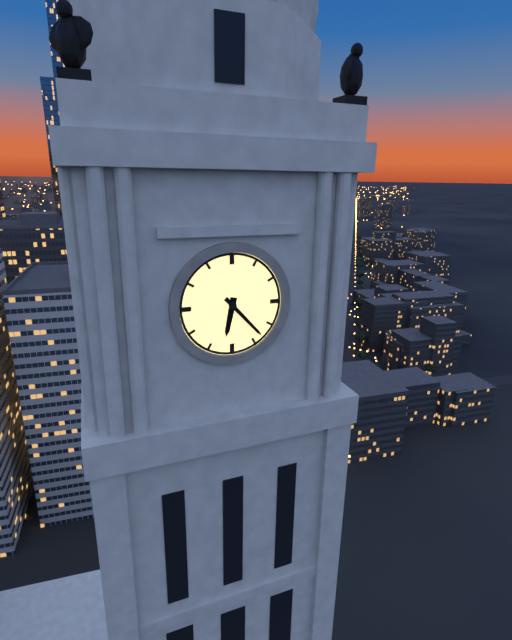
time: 6:23
